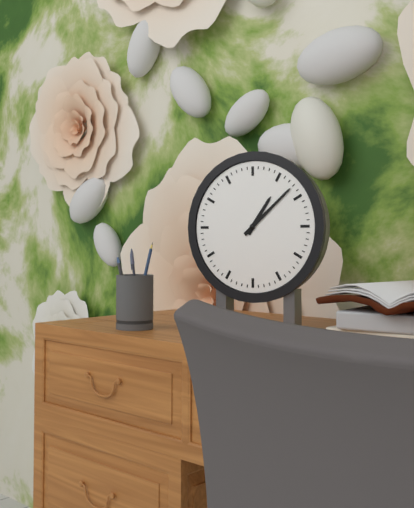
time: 1:08
